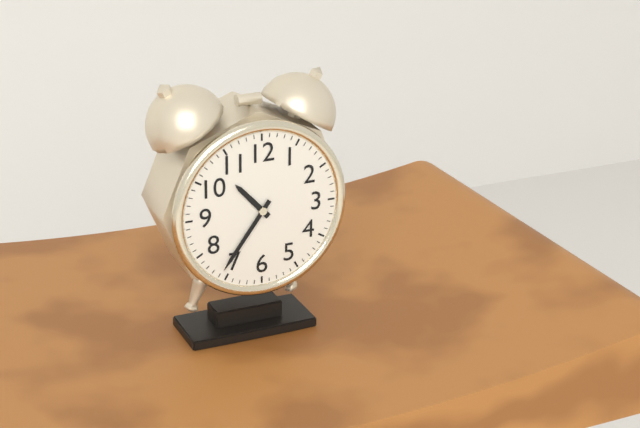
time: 10:36
